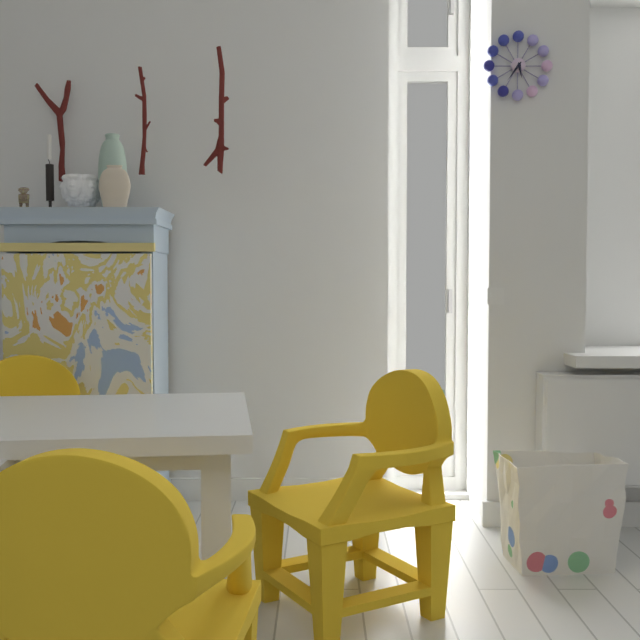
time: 5:36
